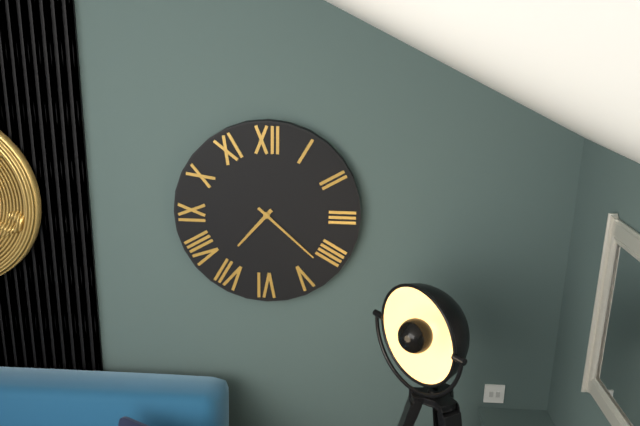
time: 7:22
